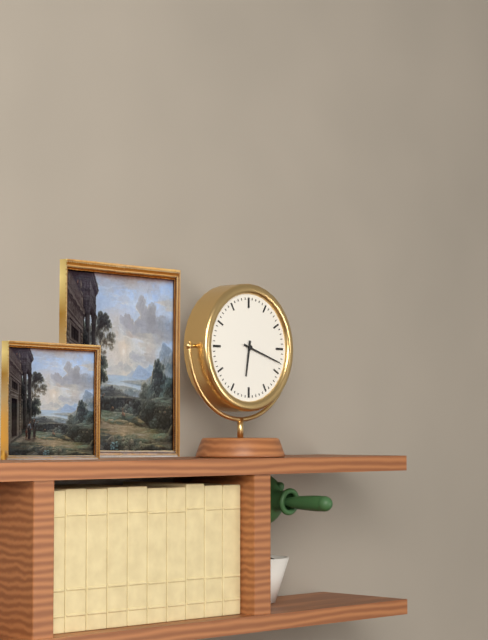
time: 6:18
